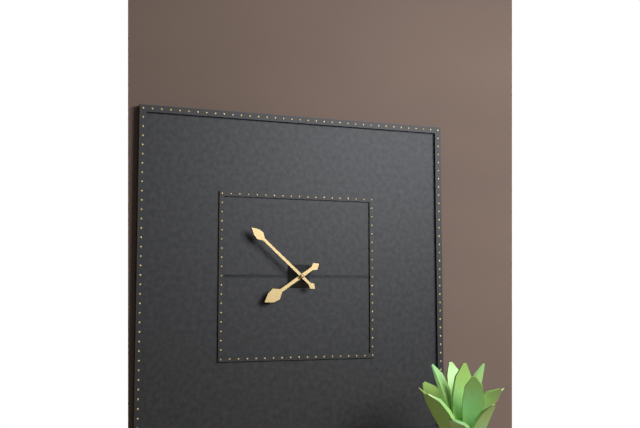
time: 7:52
